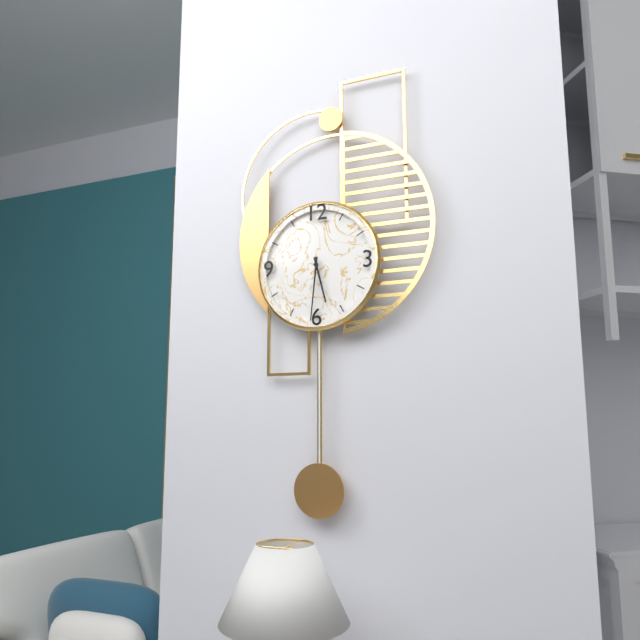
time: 5:31
